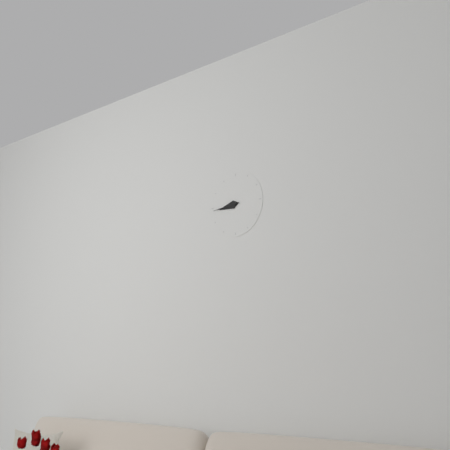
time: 8:44
